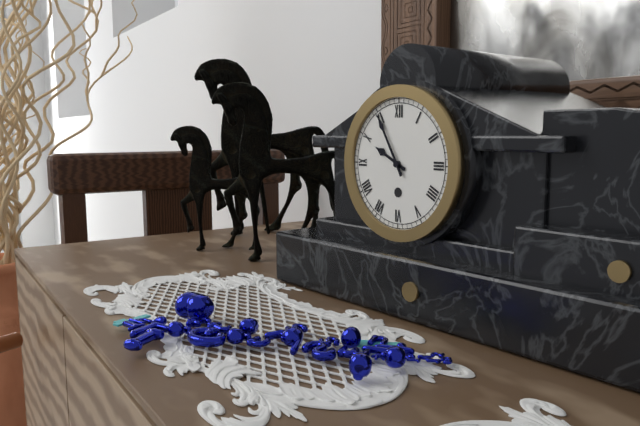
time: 9:55
